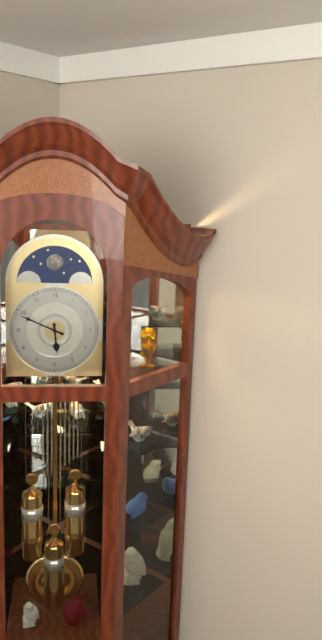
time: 5:49
